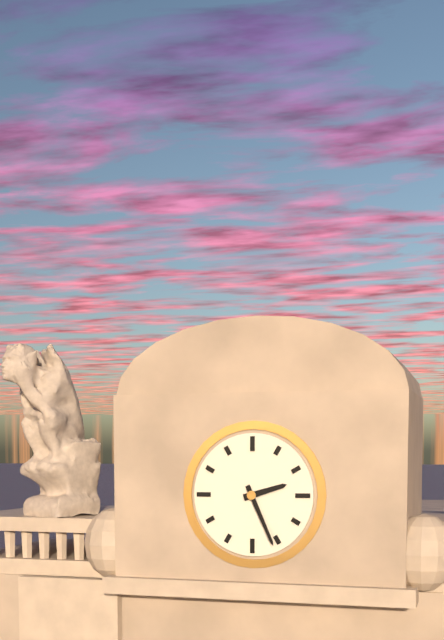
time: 2:26
